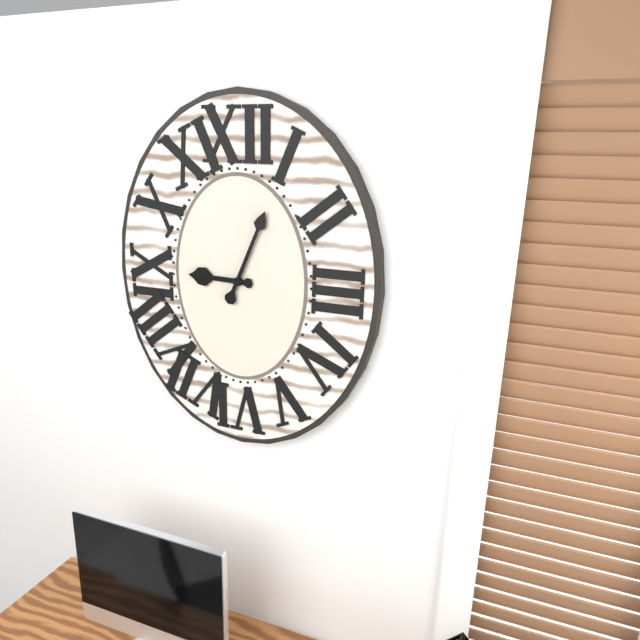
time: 9:04
